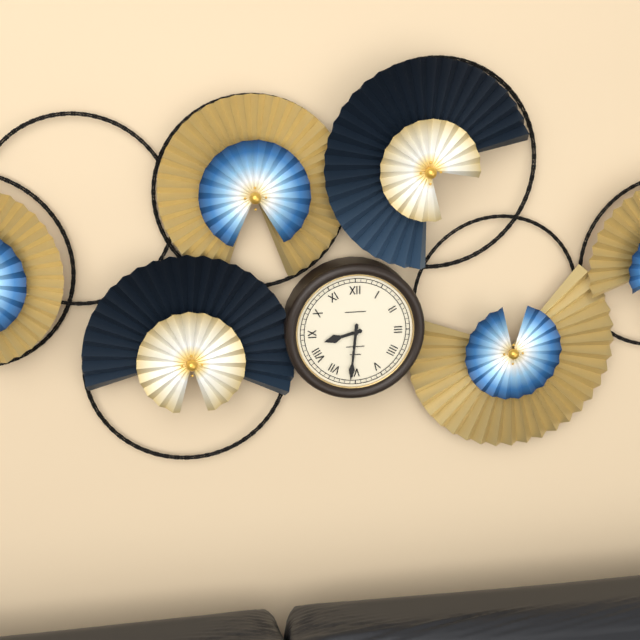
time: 8:31
